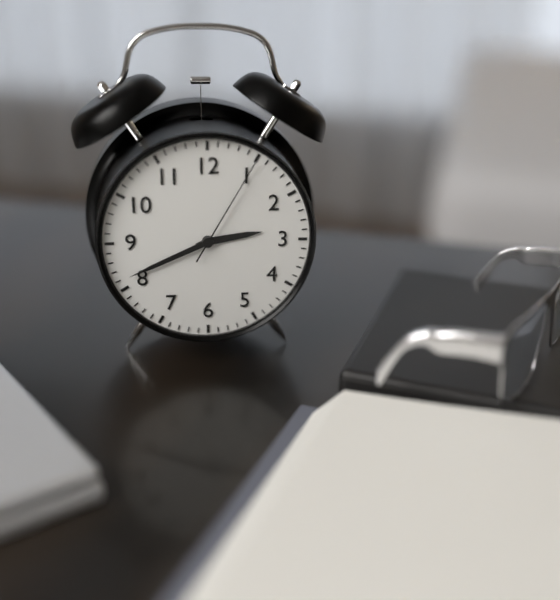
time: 2:41:05
